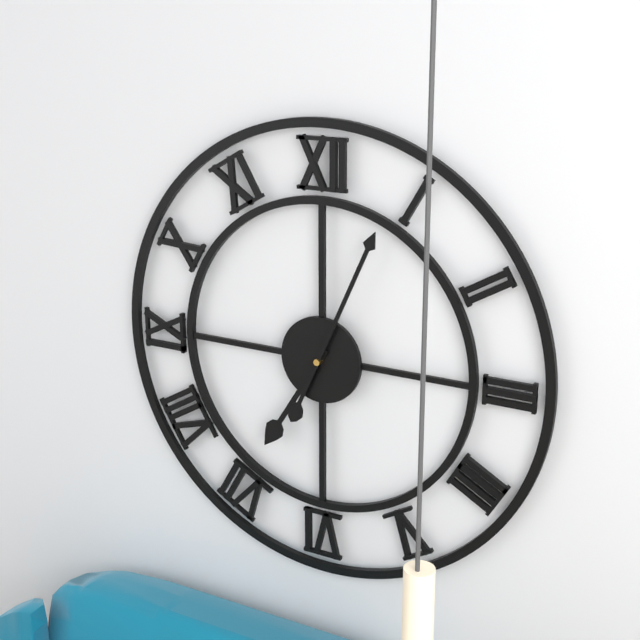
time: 7:04
